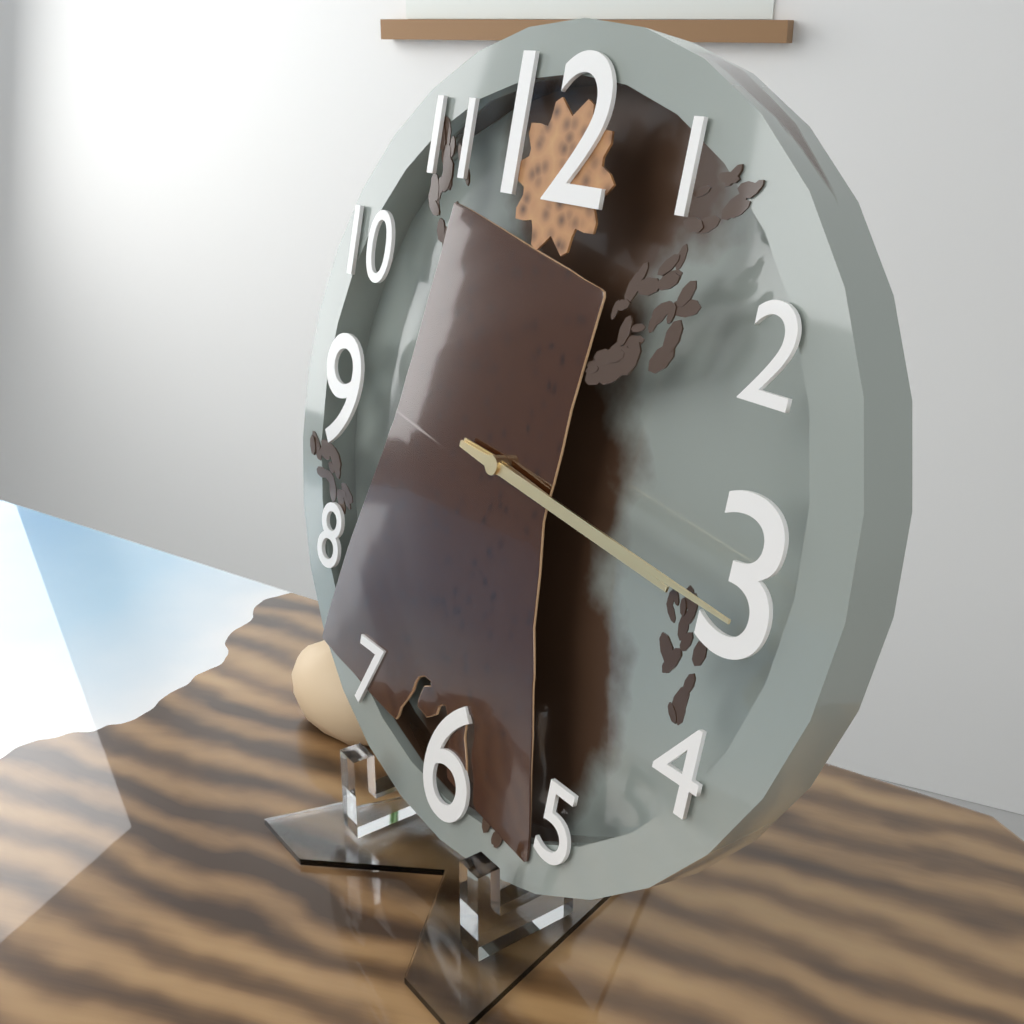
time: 3:16
